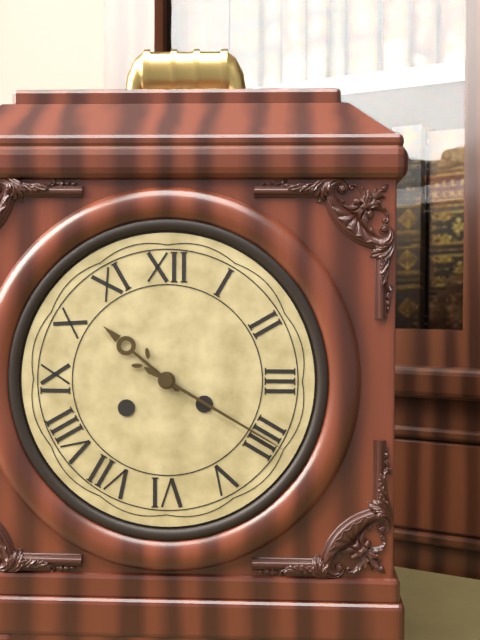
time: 10:20
